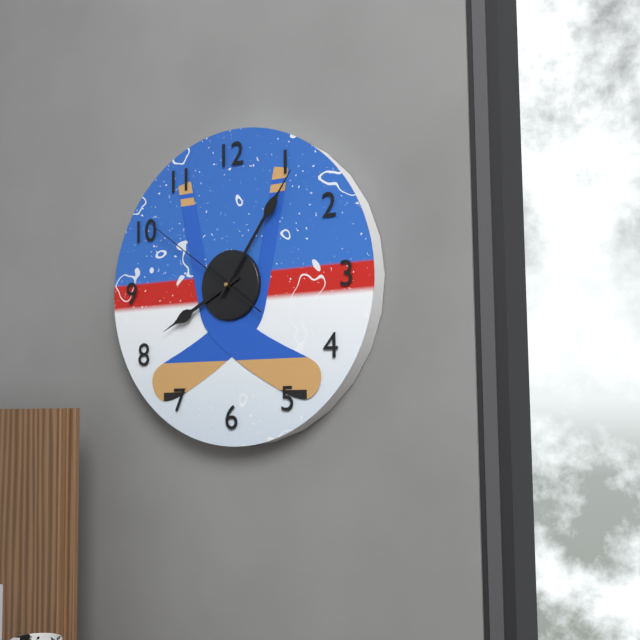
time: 8:06:51
